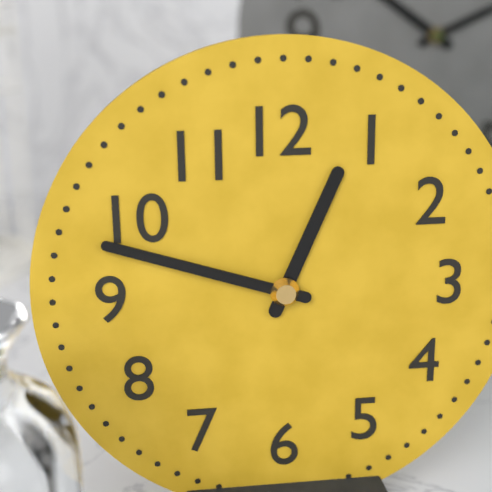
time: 12:48
